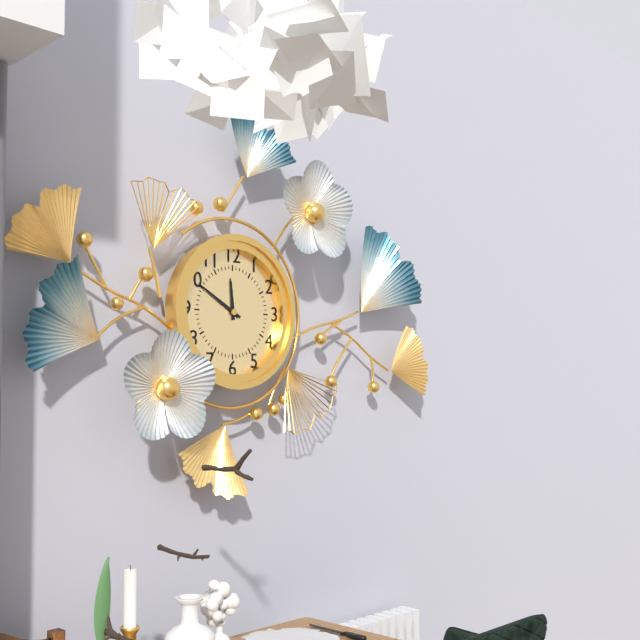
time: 11:50
